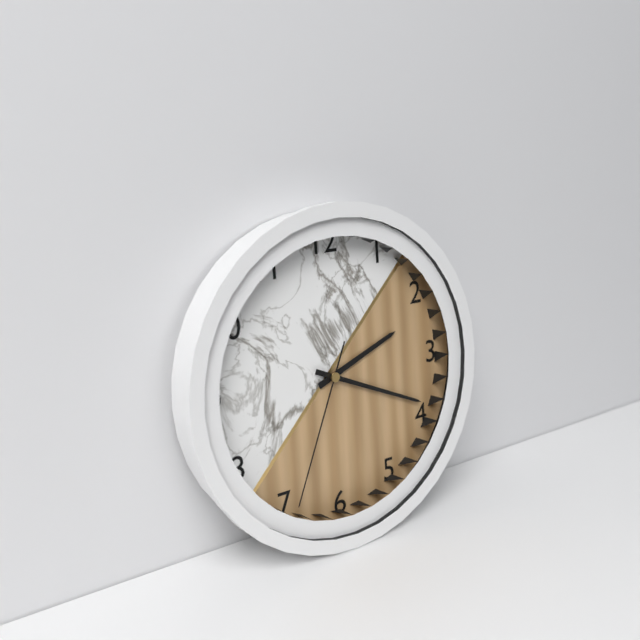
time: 2:19:34
